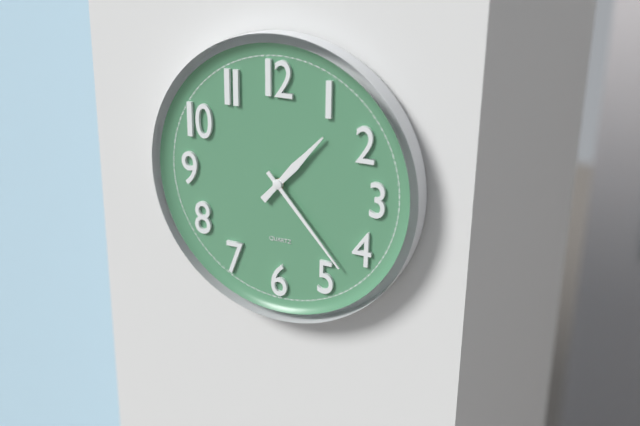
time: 1:23
